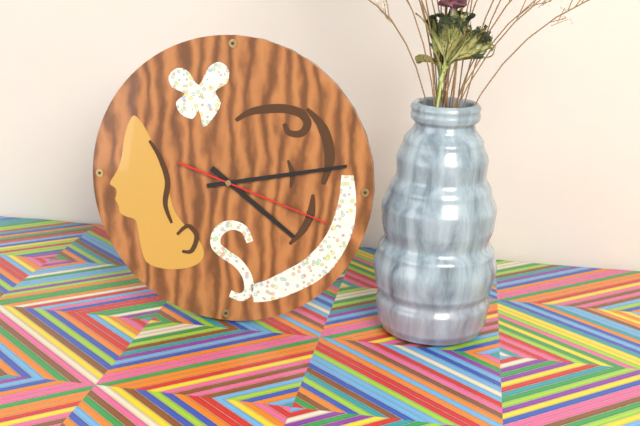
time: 4:13:18
